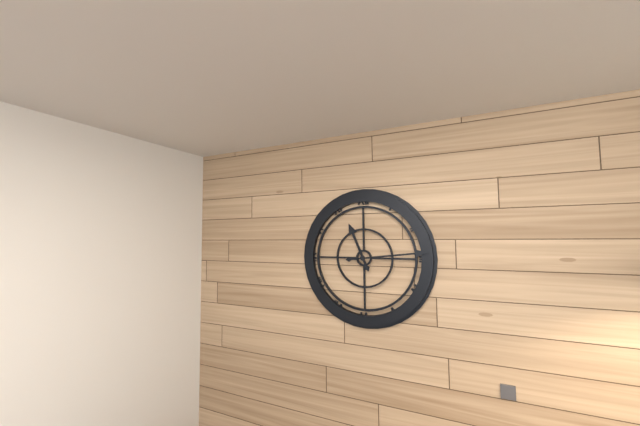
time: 11:14
